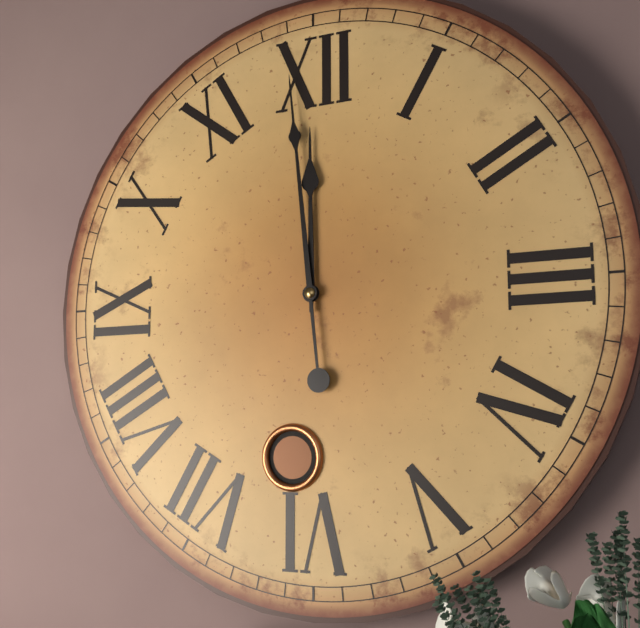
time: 11:59
